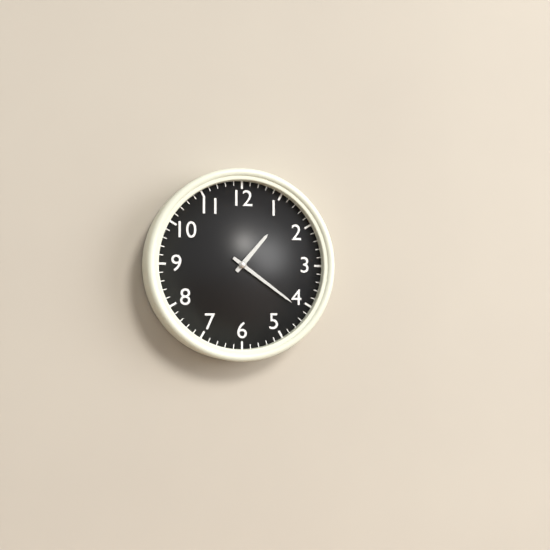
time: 1:21
